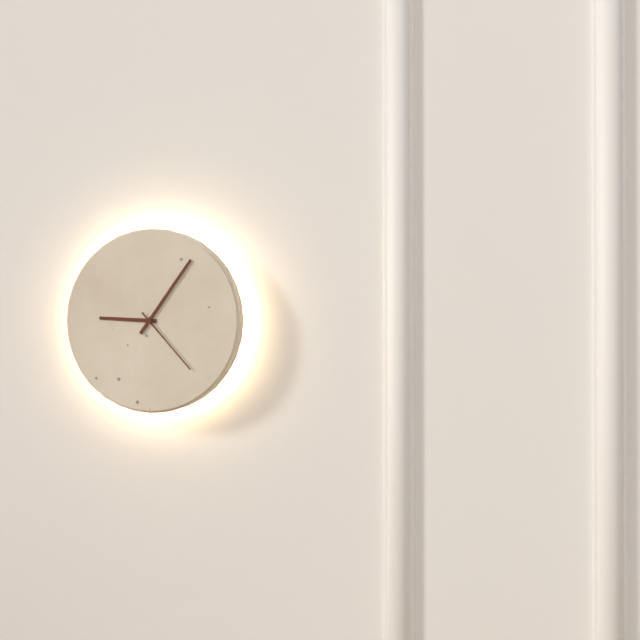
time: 9:06:23
